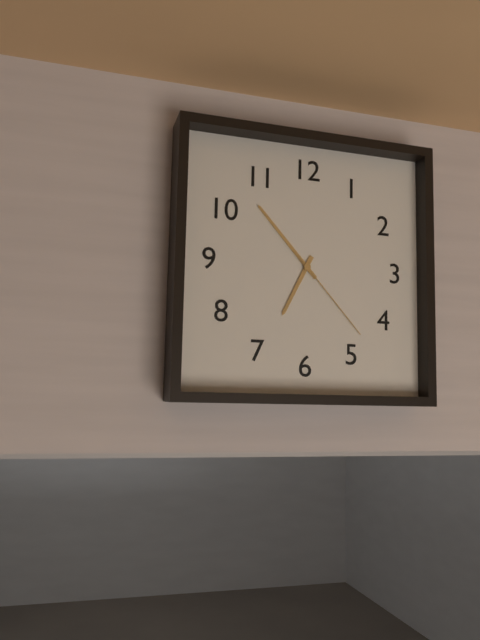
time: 6:53:23
